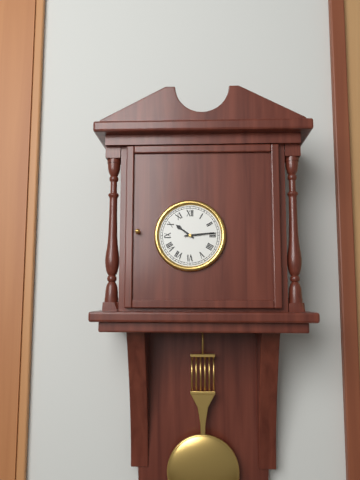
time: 10:14
